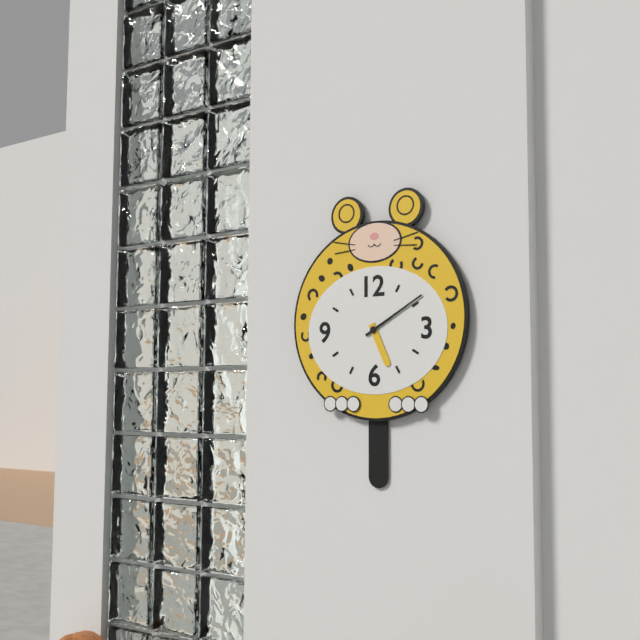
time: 5:10
